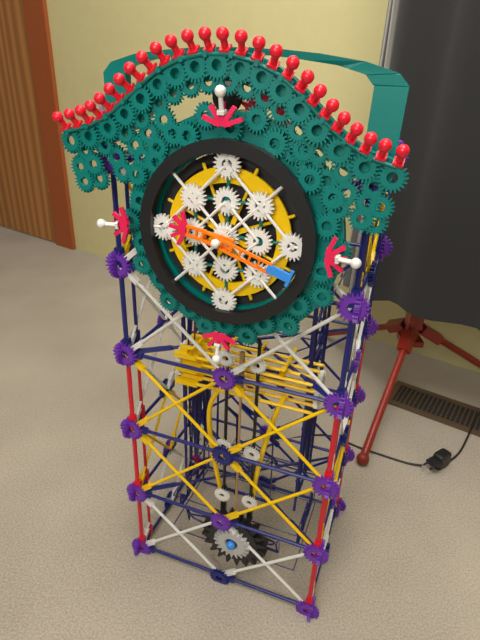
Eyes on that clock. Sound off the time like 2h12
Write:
9h18
